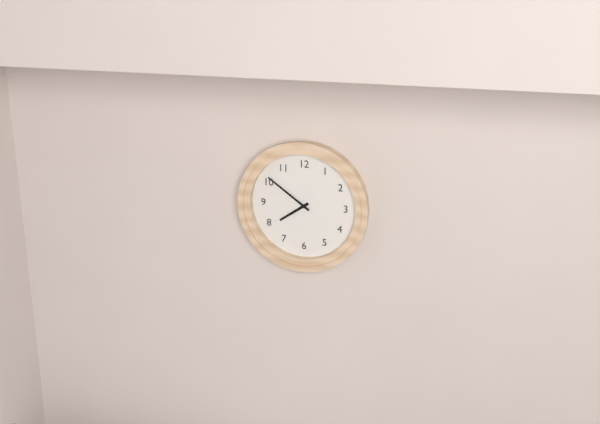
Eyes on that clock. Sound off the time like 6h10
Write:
7h51
